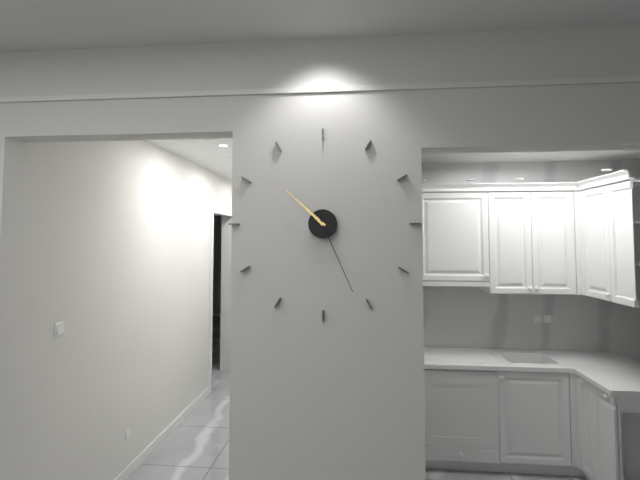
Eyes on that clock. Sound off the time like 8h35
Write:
10h26
